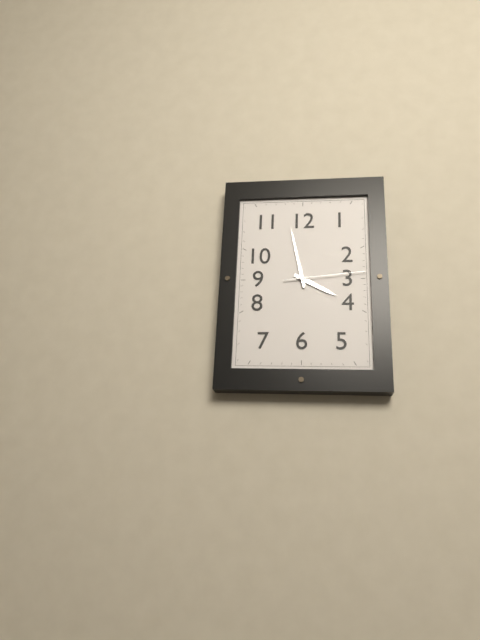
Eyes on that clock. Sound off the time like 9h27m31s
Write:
3h58m14s
